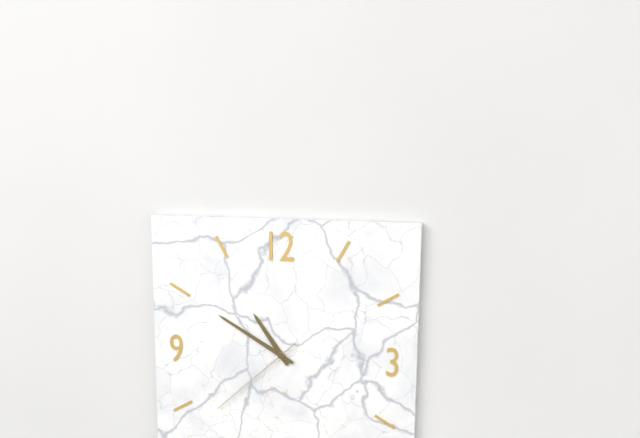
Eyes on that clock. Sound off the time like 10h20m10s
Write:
10h50m38s
